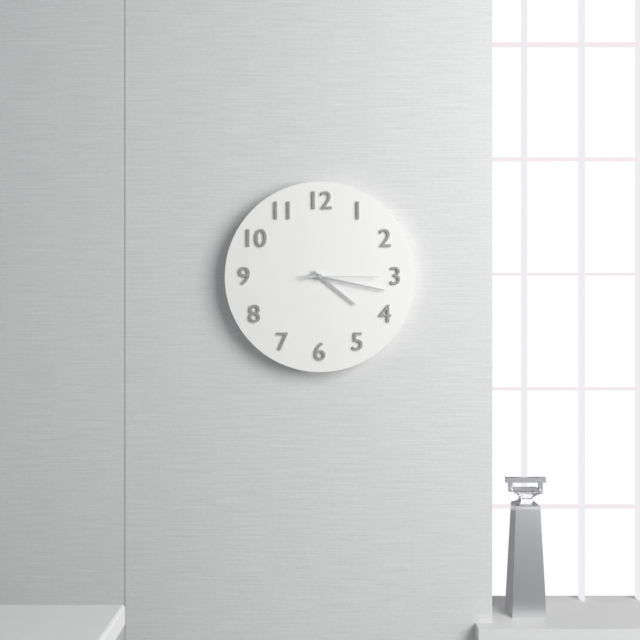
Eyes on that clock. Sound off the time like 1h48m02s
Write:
4h17m15s
